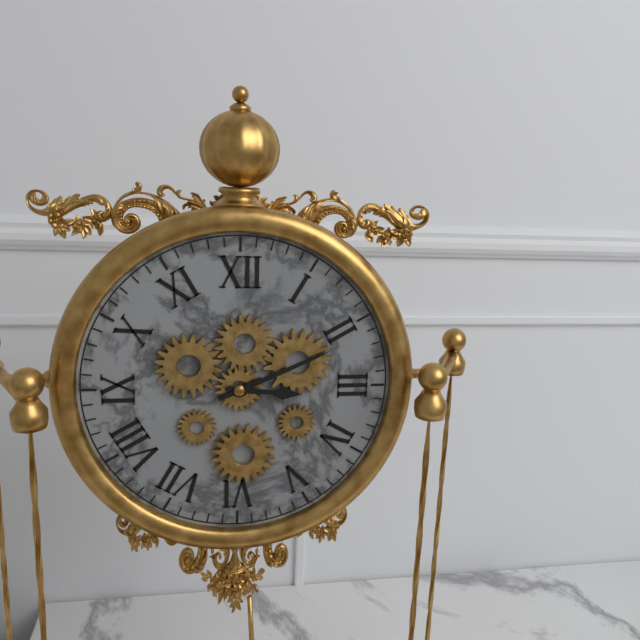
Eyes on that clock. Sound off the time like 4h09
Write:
3h11
